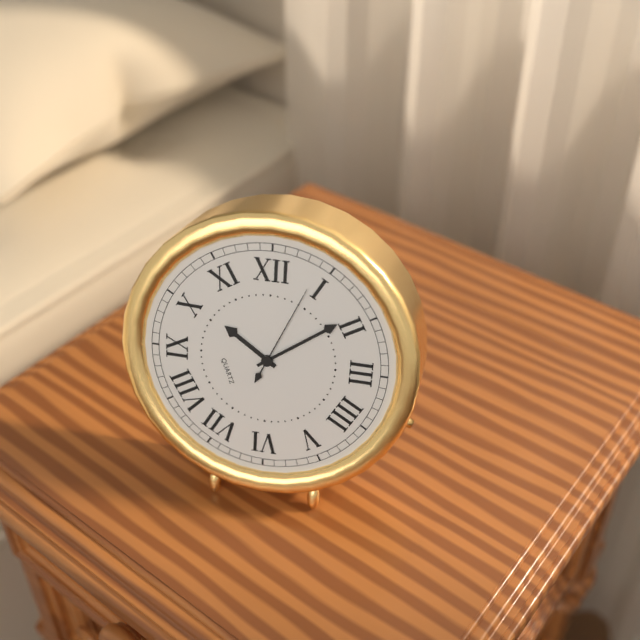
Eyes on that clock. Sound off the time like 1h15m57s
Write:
10h09m04s
